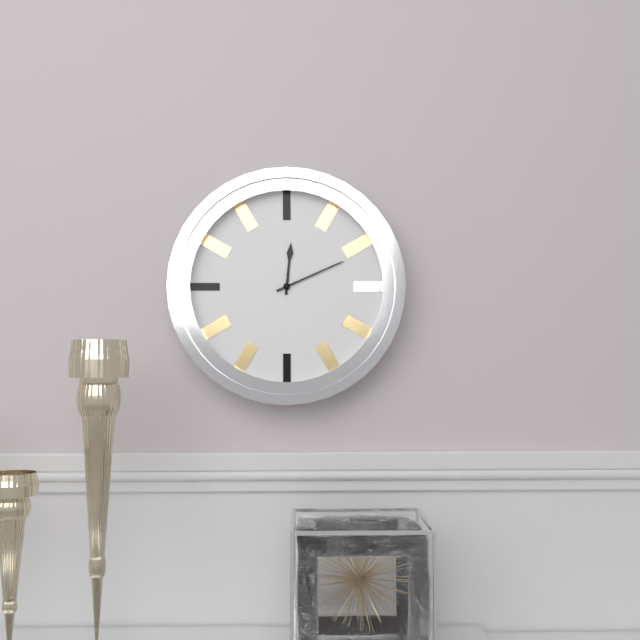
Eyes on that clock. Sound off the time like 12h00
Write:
12h11
